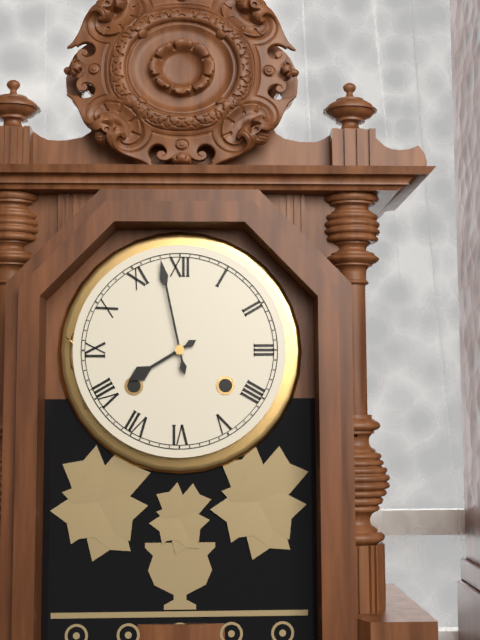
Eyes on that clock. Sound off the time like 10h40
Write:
7h58
